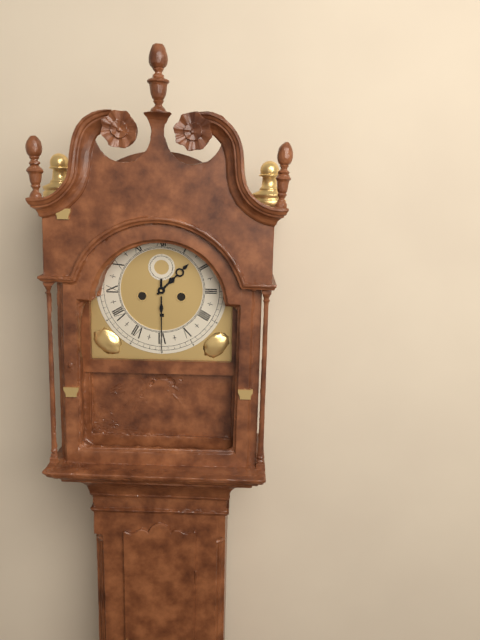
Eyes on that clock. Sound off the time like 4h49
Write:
1h30
